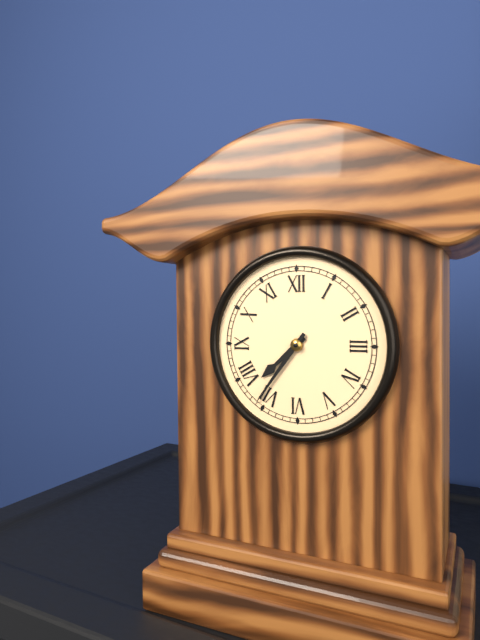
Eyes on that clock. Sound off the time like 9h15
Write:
7h36
